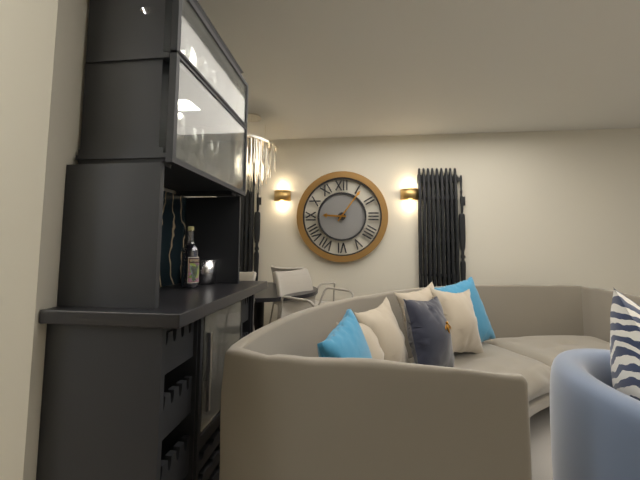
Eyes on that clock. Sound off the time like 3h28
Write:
9h06
